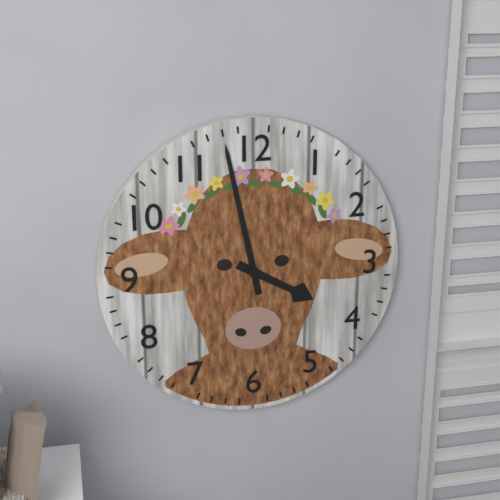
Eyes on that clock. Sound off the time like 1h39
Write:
3h58
